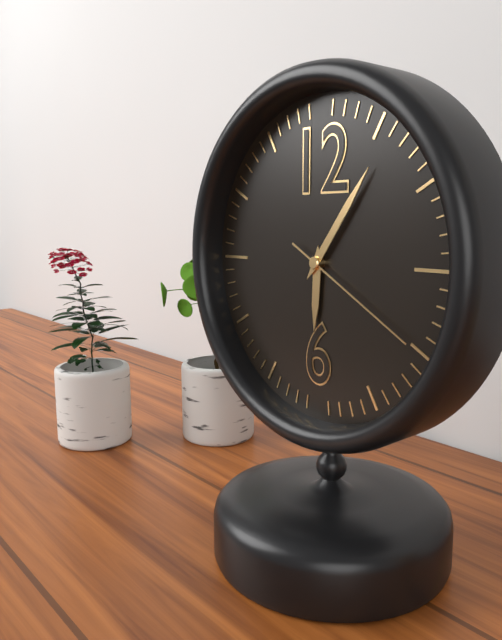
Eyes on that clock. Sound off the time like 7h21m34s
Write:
6h06m20s
